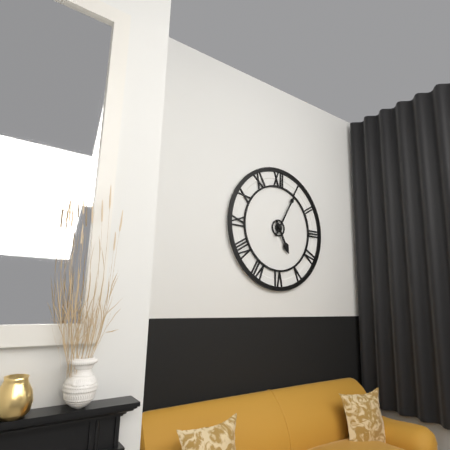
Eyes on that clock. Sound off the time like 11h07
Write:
5h05
